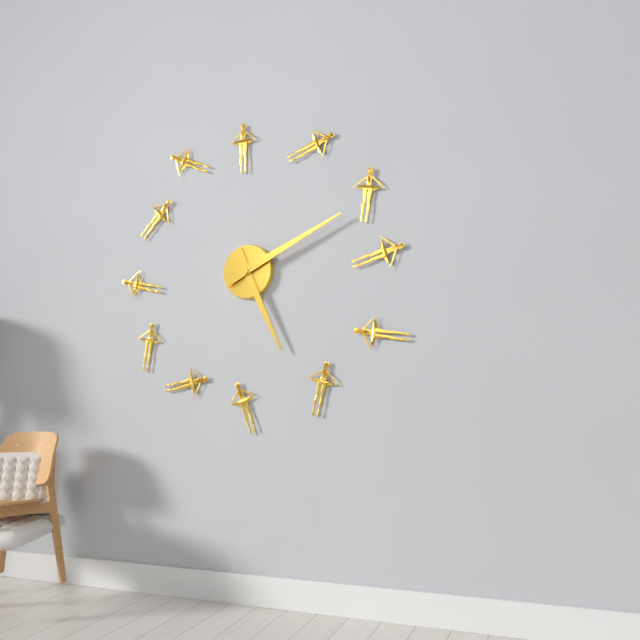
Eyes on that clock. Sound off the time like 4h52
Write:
5h11
